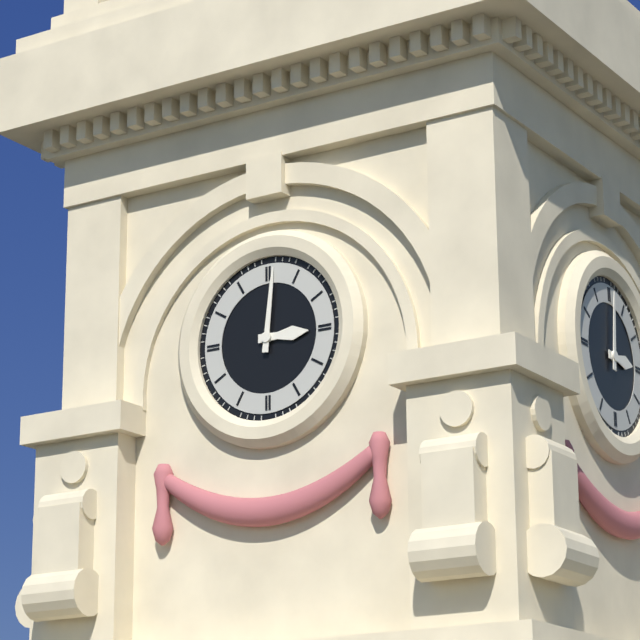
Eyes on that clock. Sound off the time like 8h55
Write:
3h01
